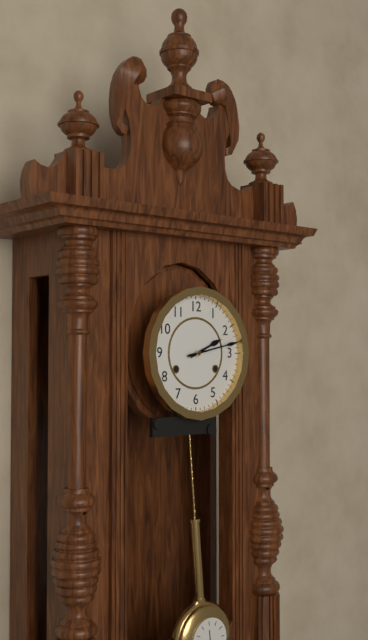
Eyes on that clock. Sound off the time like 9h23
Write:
2h13
